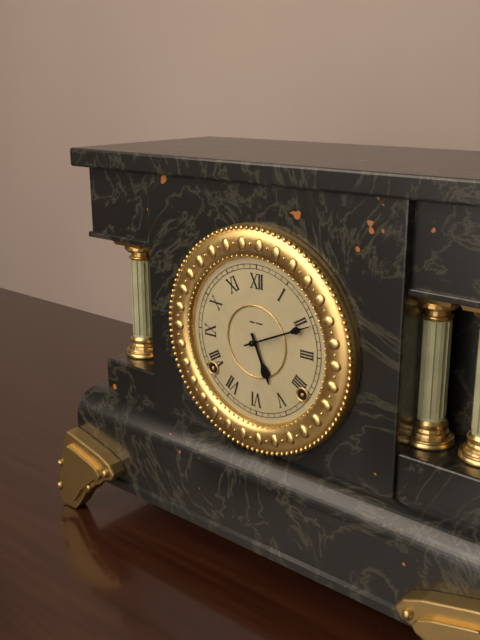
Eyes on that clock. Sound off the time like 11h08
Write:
5h11
